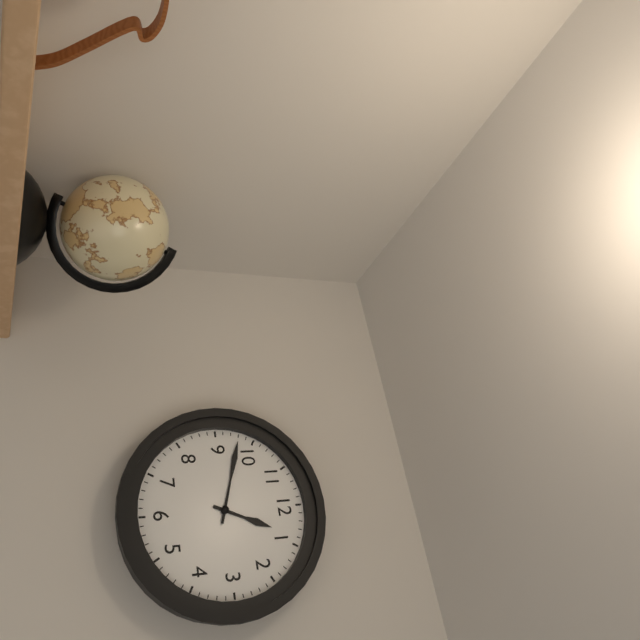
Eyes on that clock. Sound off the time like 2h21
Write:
12h48
